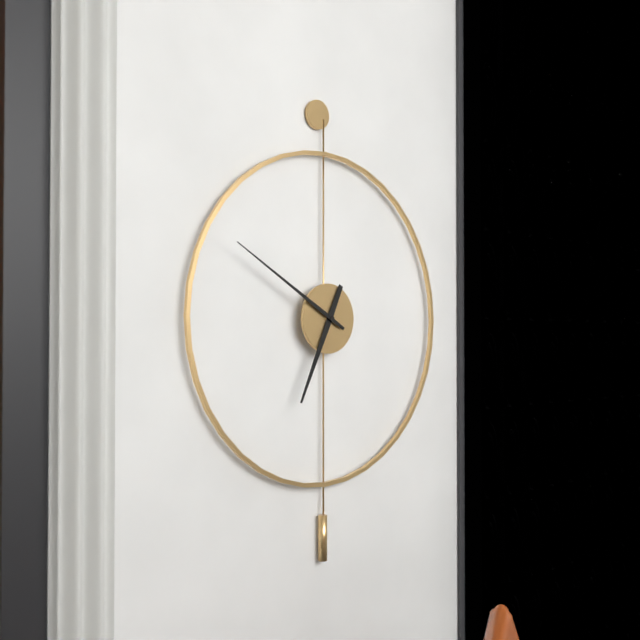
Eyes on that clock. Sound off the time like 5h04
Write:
6h50
